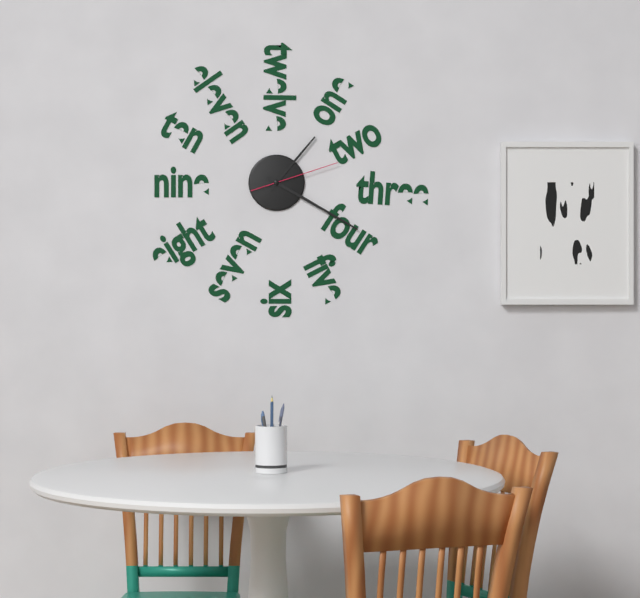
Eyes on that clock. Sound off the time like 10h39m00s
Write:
1h20m12s
